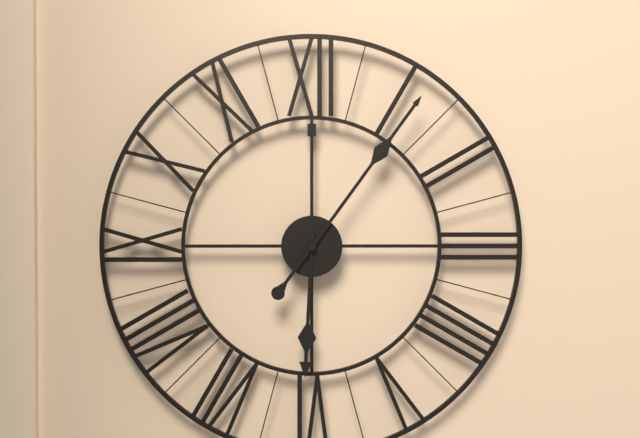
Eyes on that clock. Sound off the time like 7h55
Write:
6h06
